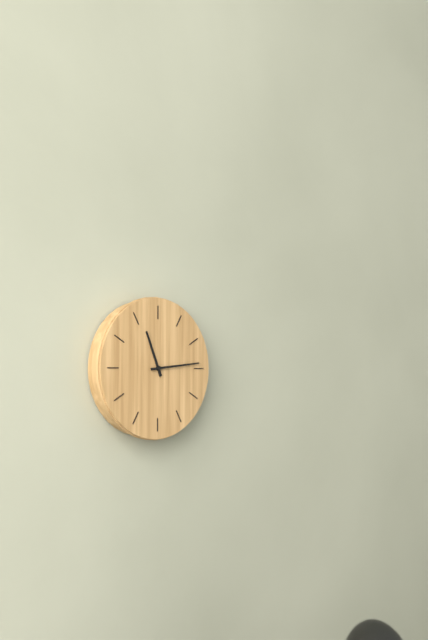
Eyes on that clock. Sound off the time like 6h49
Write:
11h14
